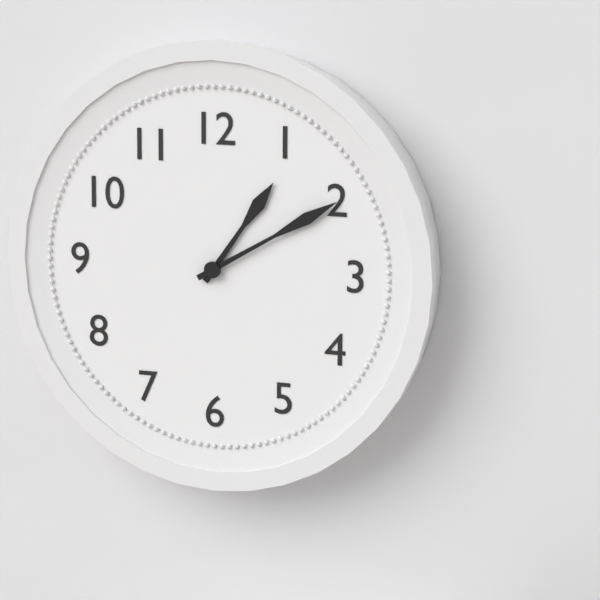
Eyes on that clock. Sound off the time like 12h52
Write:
1h10
